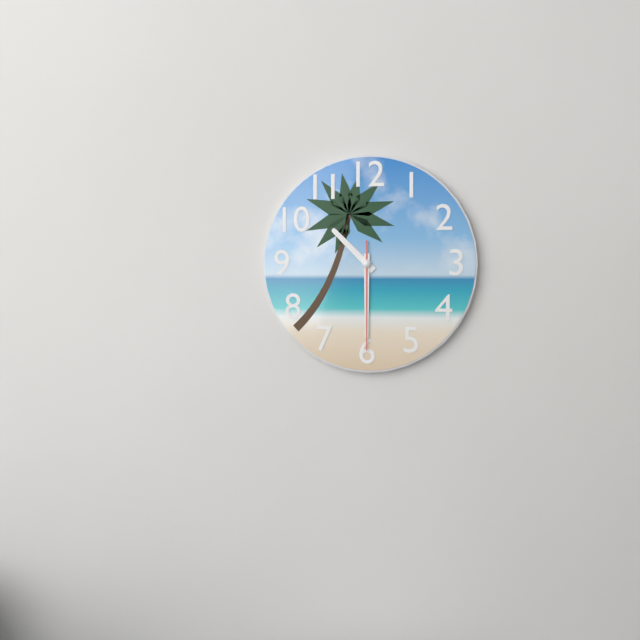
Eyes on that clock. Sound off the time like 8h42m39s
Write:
10h30m30s
